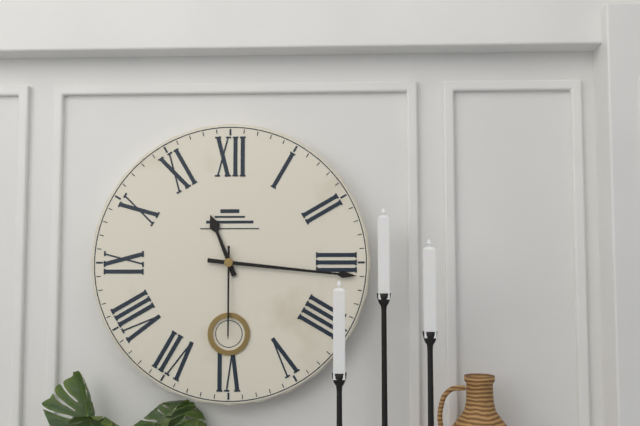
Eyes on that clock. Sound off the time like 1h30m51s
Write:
11h16m30s
